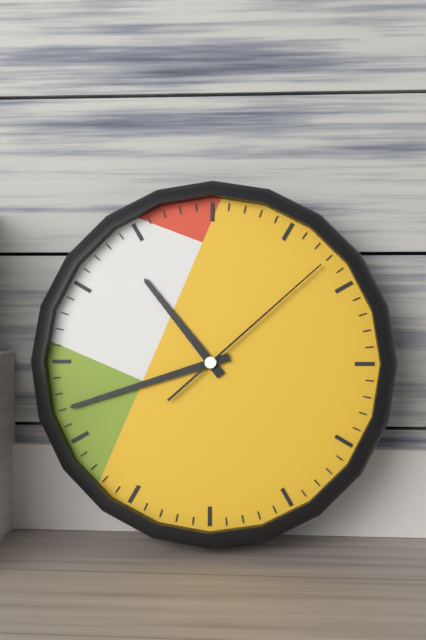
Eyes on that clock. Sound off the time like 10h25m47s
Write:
10h42m08s
